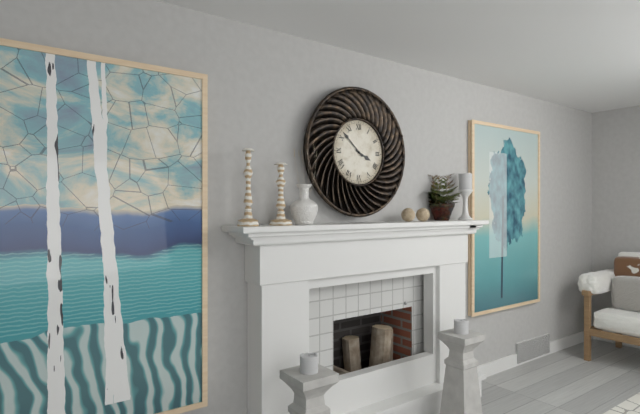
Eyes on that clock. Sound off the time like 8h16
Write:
3h52
